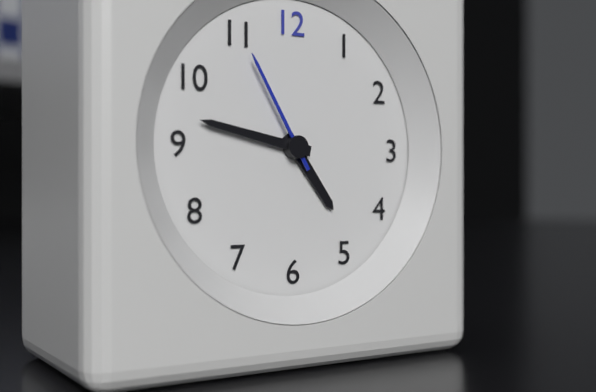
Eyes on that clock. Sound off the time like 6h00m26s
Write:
4h47m55s
